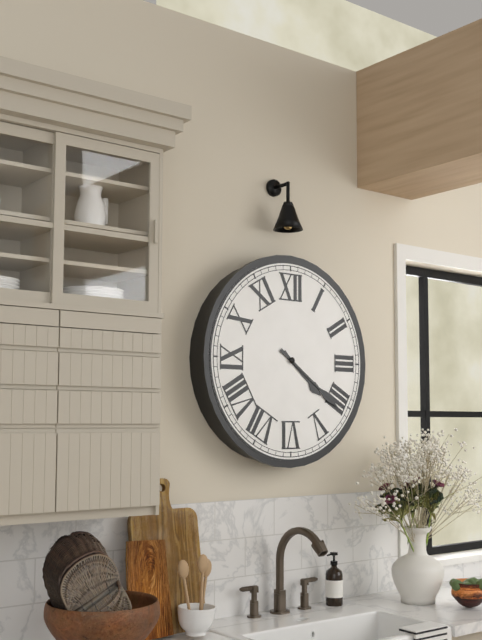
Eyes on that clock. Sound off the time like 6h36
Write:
4h21
